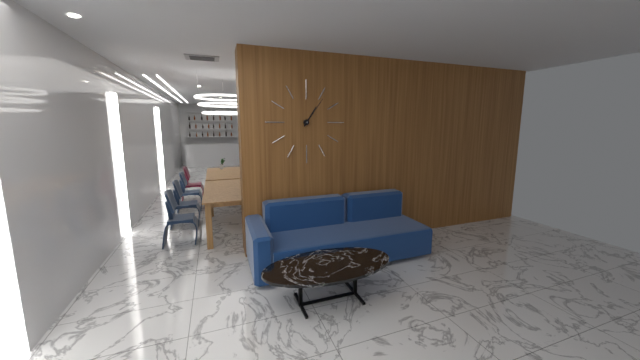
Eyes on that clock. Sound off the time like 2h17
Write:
1h06
